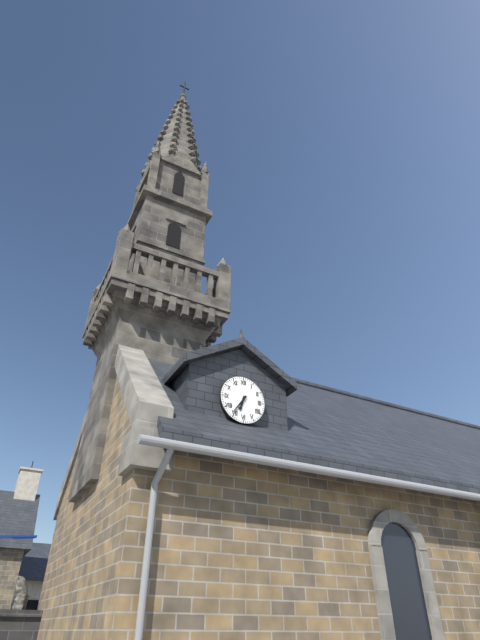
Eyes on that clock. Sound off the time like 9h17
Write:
6h36
